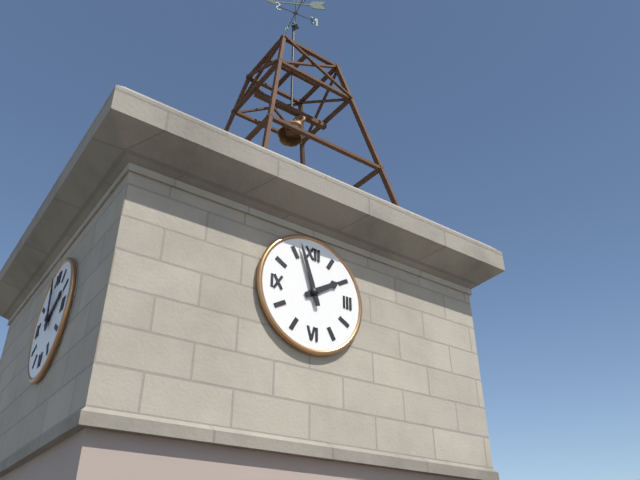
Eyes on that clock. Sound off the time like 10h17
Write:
1h57
